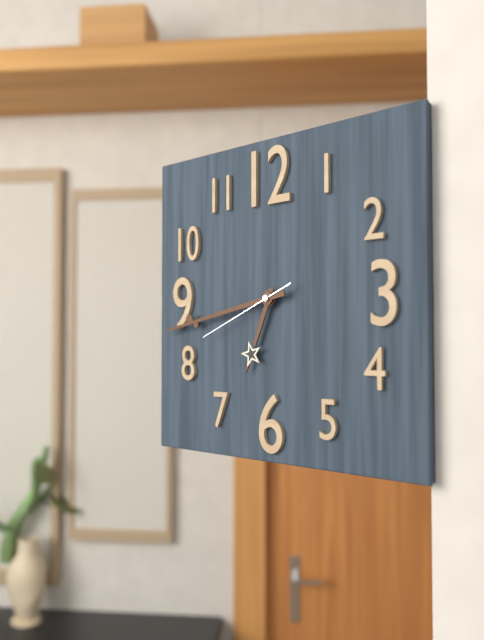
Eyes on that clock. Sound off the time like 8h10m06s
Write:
6h43m41s
